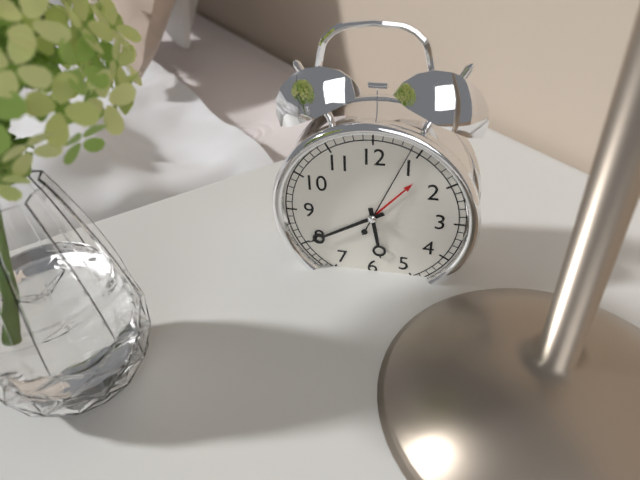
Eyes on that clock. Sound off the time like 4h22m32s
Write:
5h40m04s
